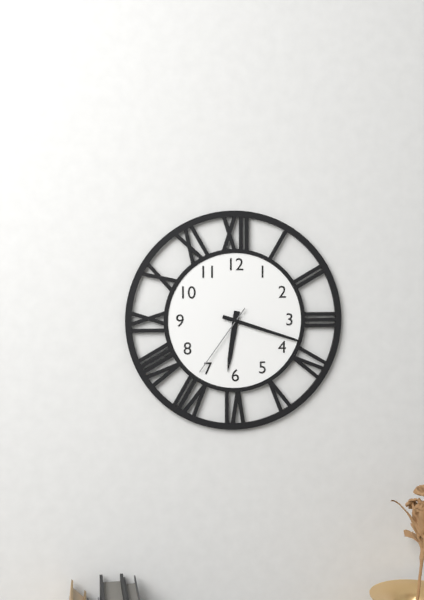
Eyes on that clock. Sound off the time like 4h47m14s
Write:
6h18m36s
